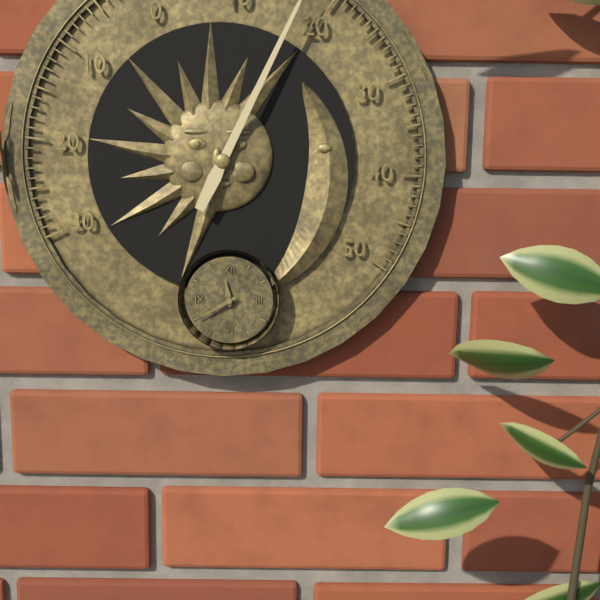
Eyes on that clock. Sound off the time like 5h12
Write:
11h40
